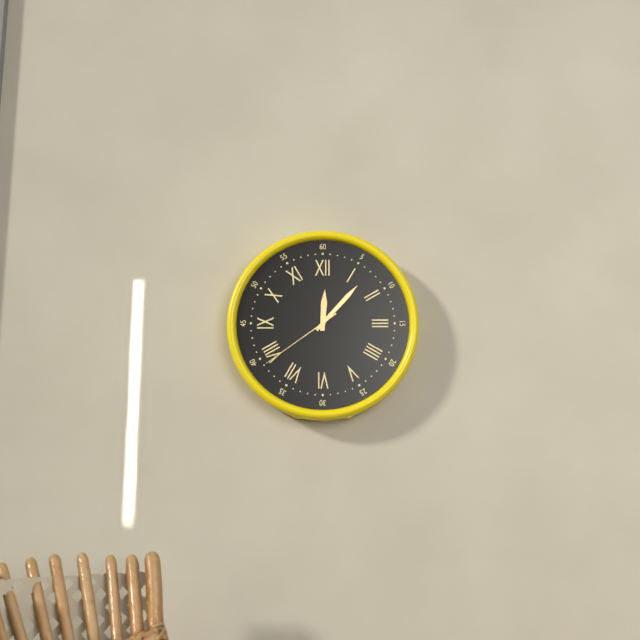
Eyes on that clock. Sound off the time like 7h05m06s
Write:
12h07m39s
